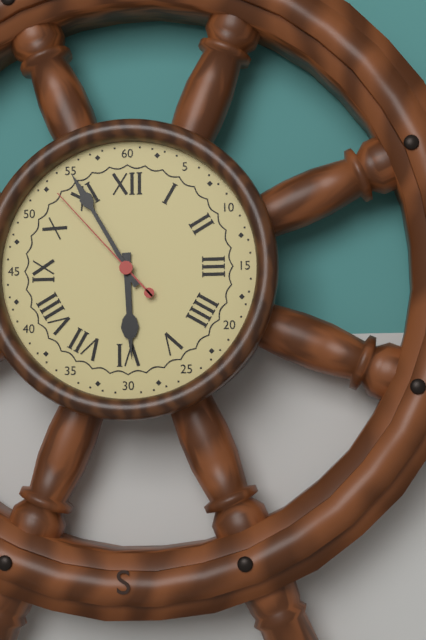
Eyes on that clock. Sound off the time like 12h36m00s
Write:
5h55m53s
